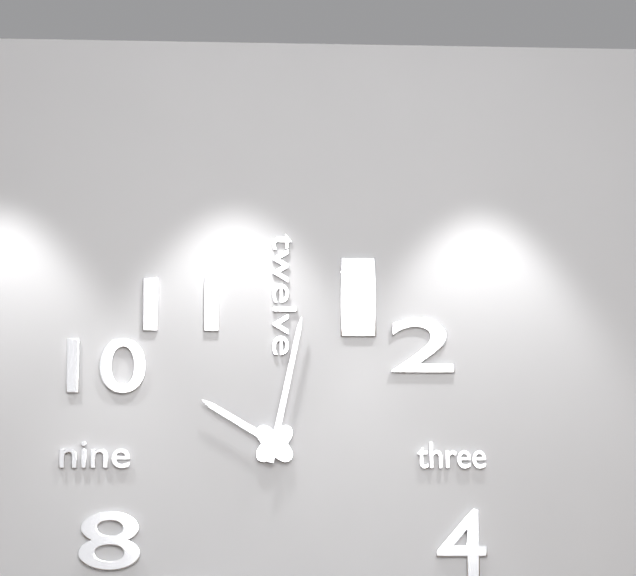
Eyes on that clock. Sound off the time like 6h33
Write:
10h02
